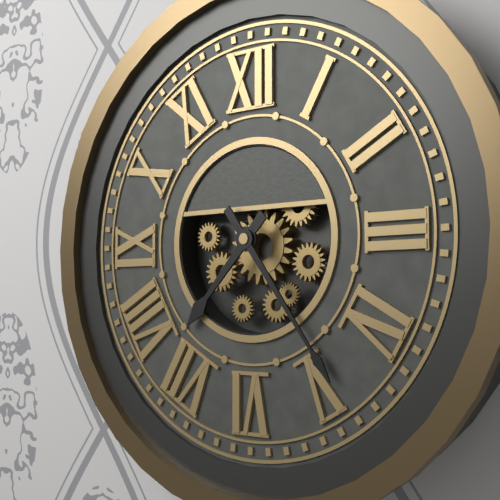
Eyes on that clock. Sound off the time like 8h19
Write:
7h24
